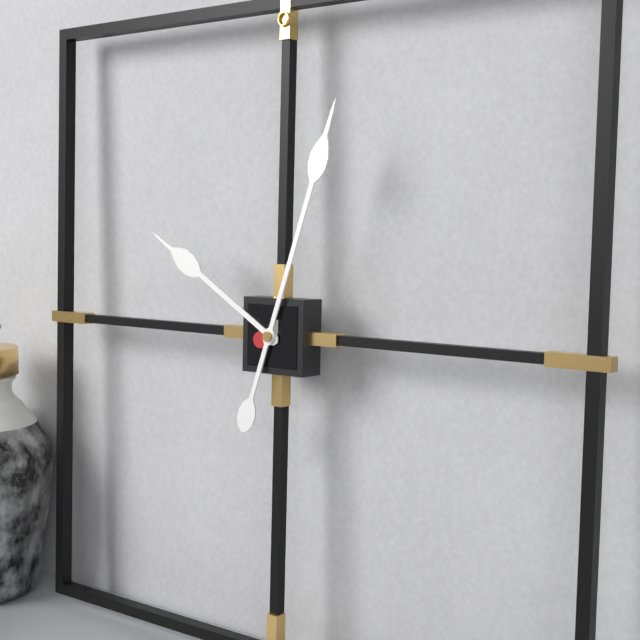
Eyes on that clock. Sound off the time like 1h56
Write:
10h03
